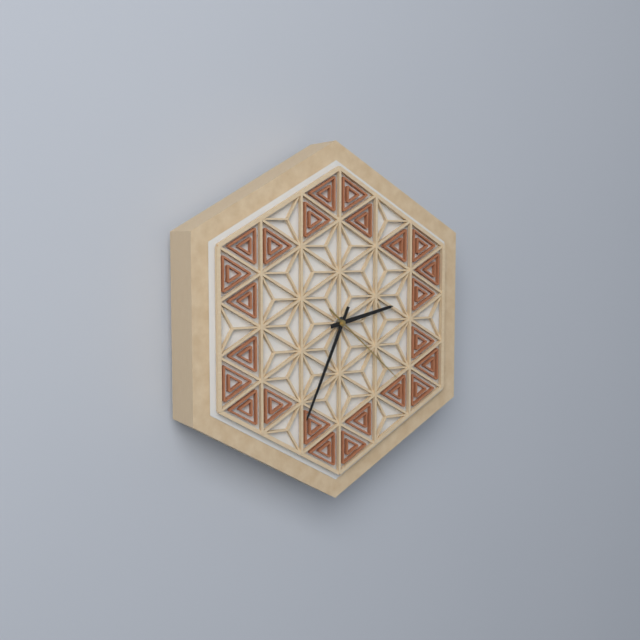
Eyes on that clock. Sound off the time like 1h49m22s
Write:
2h34m22s
